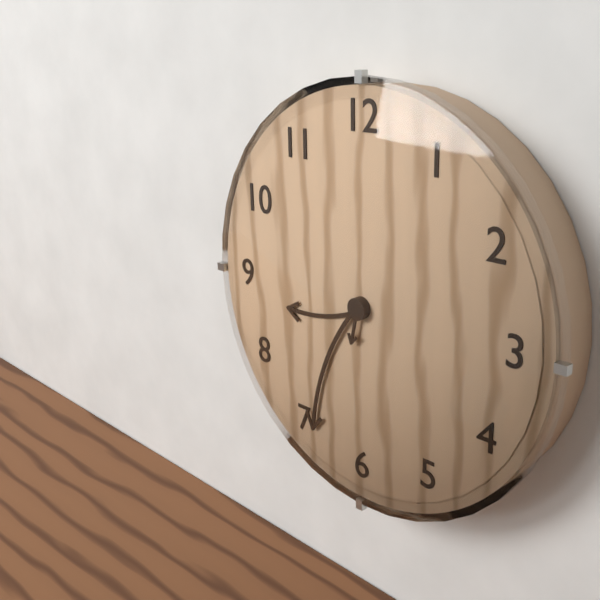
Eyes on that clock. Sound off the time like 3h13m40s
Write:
8h34m32s
